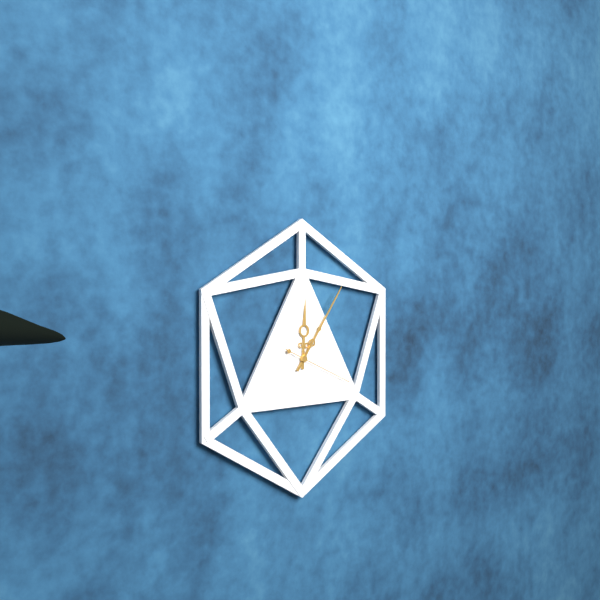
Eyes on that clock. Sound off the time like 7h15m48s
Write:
12h06m19s
